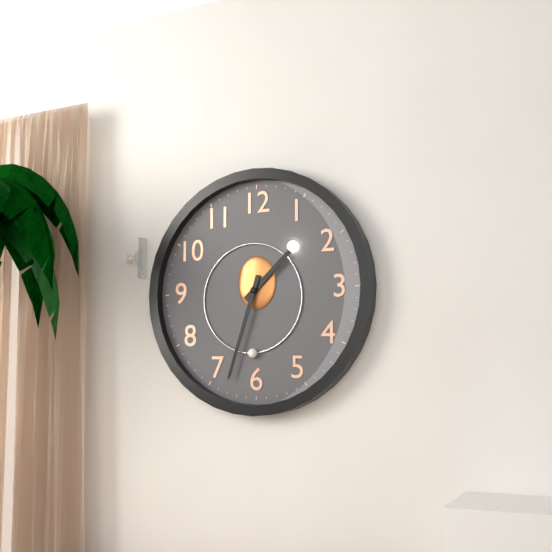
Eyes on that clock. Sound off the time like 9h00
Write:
1h33
